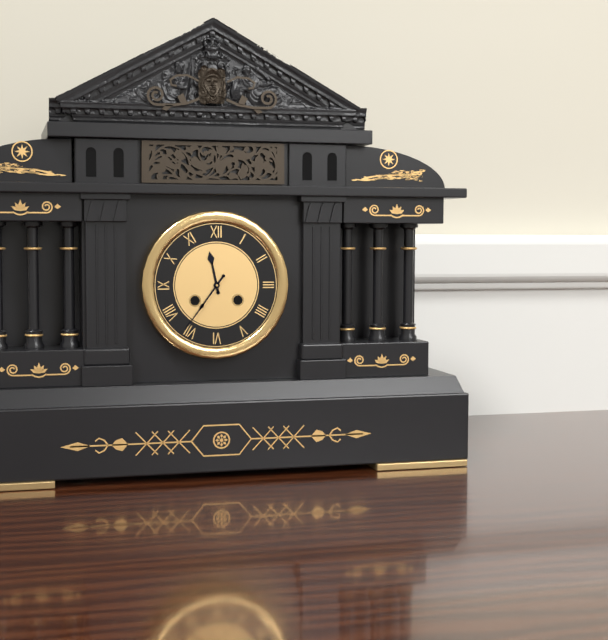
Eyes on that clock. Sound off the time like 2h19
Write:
11h36
